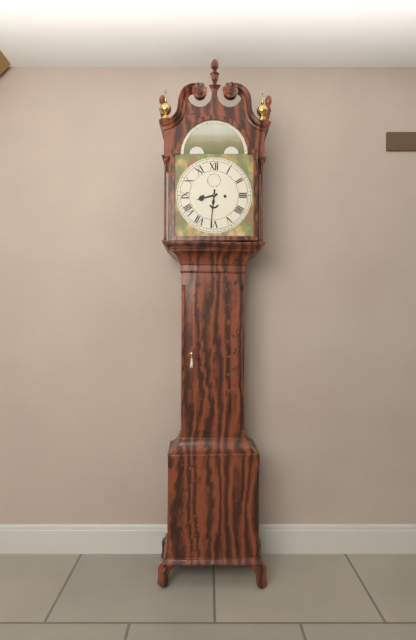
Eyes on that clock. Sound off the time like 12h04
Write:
8h31
